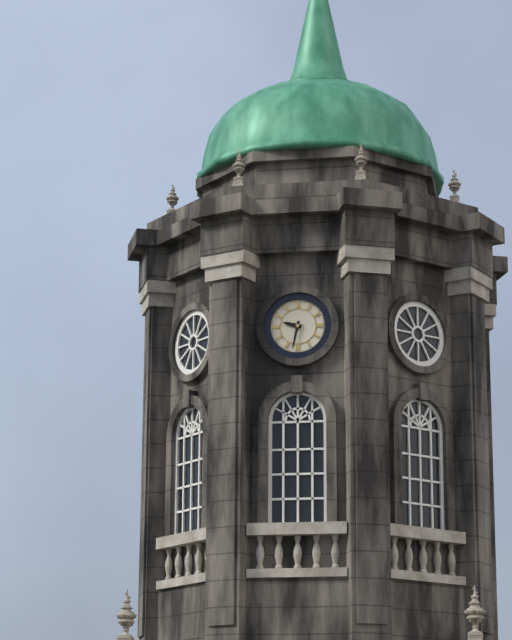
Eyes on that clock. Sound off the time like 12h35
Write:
9h32
